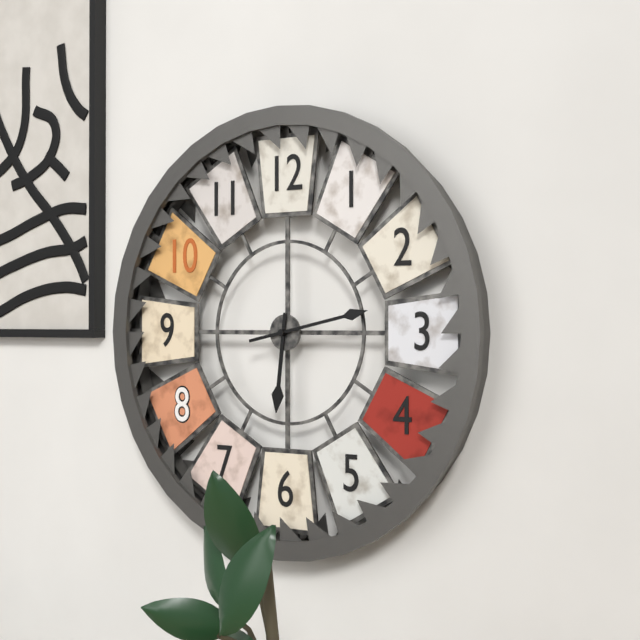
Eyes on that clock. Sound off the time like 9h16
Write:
6h13
